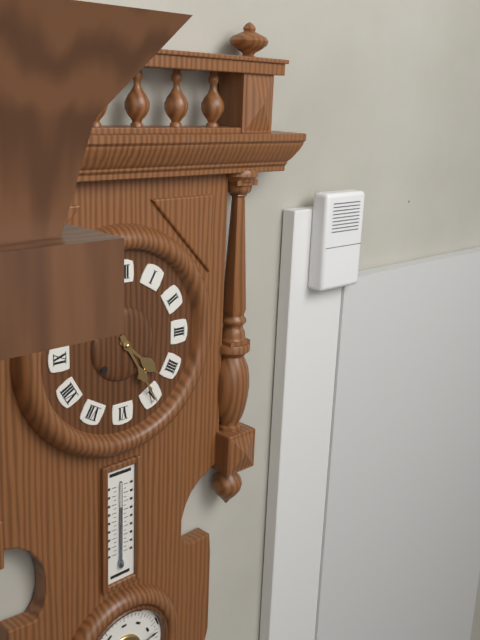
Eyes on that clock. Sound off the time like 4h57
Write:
4h25
